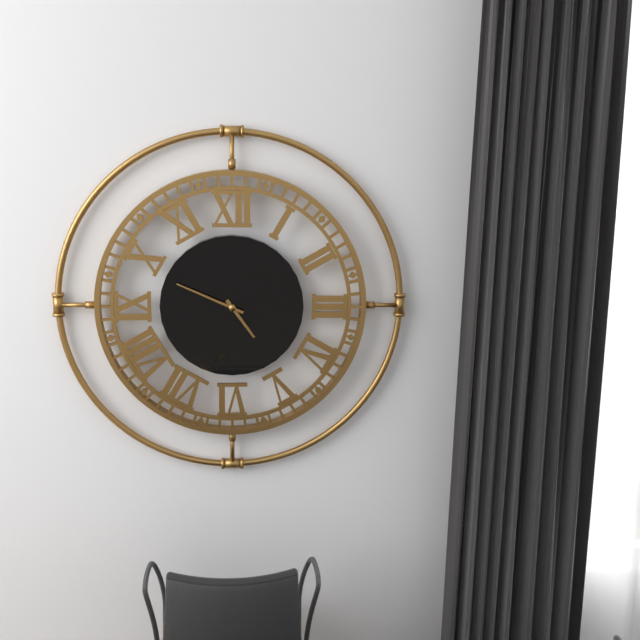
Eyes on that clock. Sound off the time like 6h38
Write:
4h49
